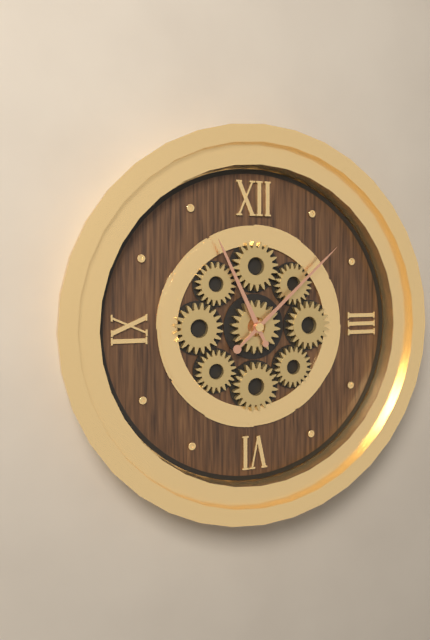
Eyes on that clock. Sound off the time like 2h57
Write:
11h08
